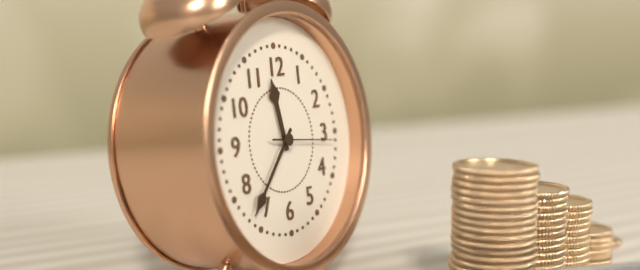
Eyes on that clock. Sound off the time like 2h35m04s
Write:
11h37m16s
